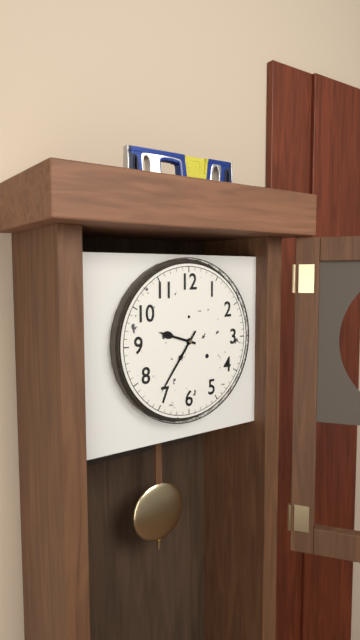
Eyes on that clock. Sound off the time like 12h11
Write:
9h36
